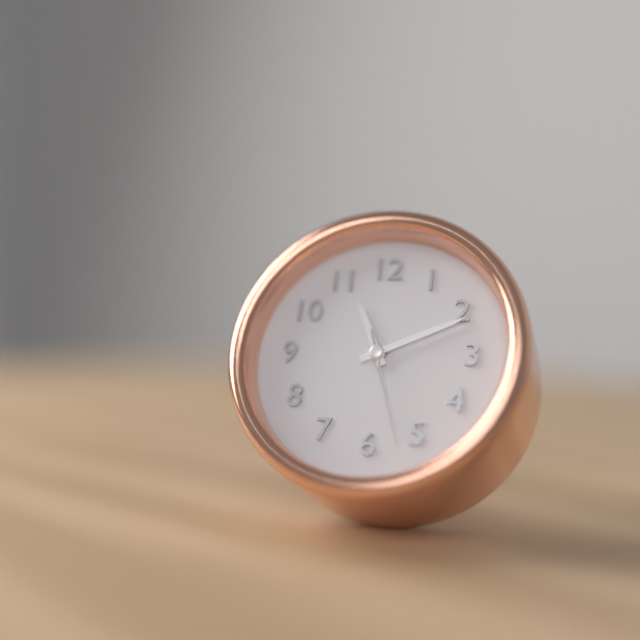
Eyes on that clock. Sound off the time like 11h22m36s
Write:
11h11m27s
